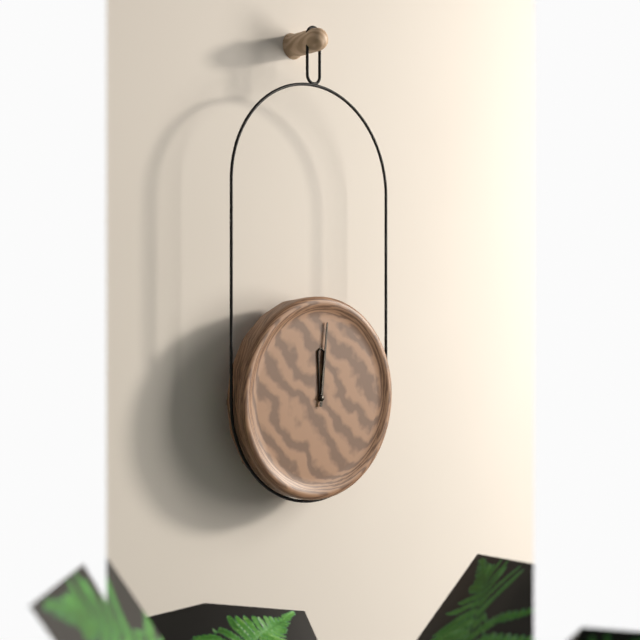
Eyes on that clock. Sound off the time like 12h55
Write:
12h01
